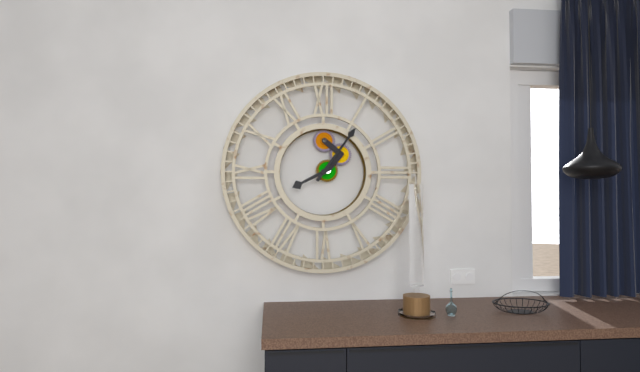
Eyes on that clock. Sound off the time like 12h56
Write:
8h06
